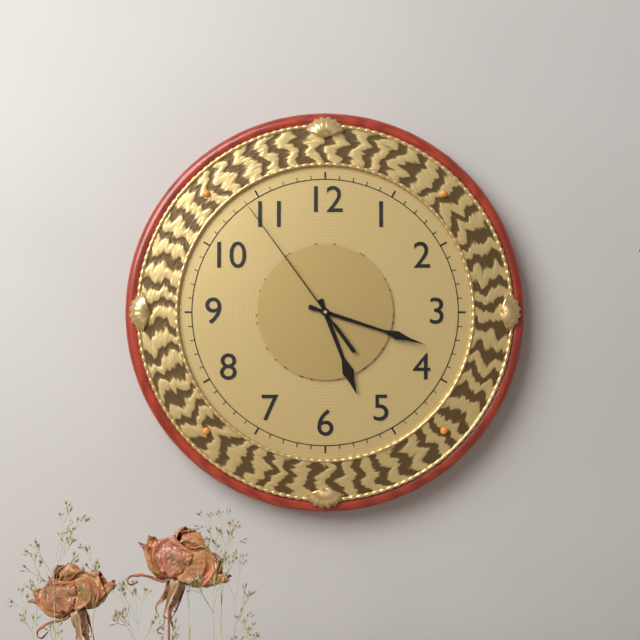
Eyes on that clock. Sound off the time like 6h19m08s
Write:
5h18m54s
